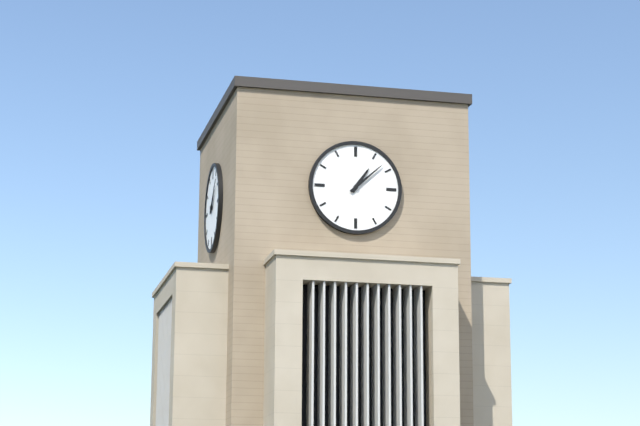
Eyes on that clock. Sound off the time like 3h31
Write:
1h08
